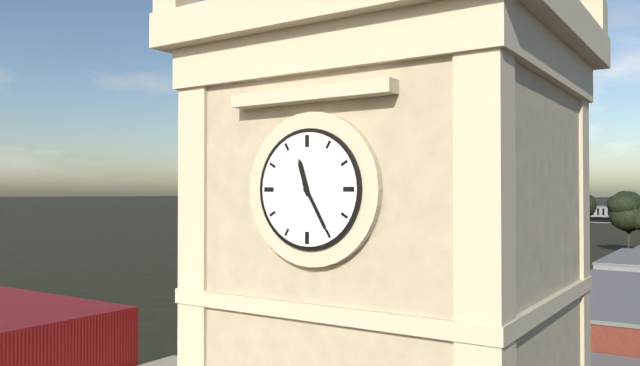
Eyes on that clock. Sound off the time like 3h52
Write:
11h25
